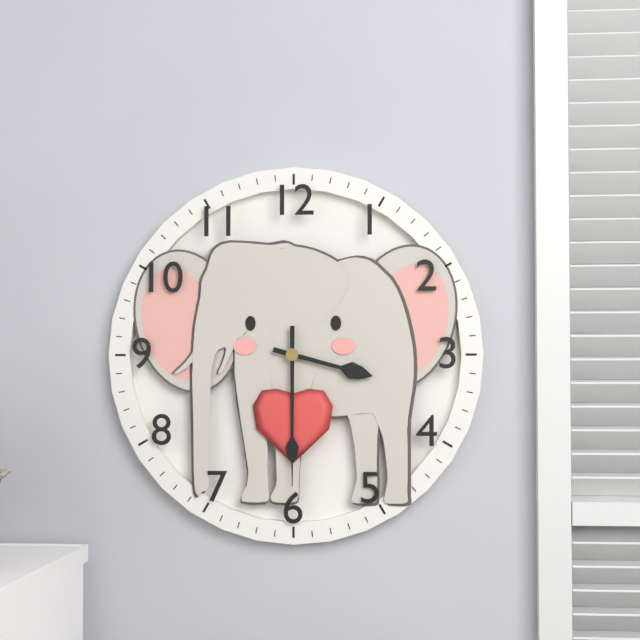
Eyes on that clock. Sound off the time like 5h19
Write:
3h30
